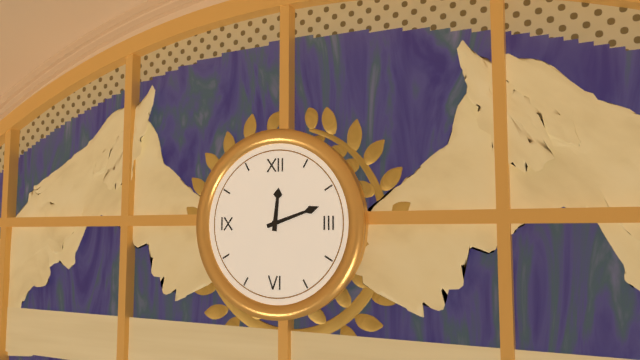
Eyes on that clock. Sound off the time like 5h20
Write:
12h12
